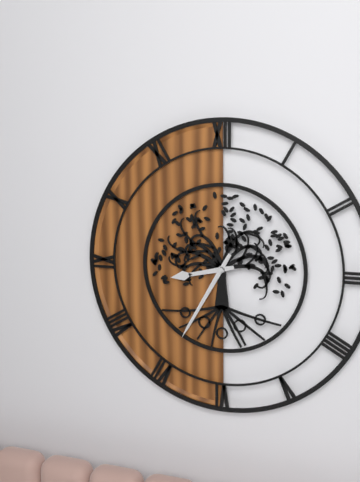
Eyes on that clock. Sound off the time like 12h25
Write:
8h35
